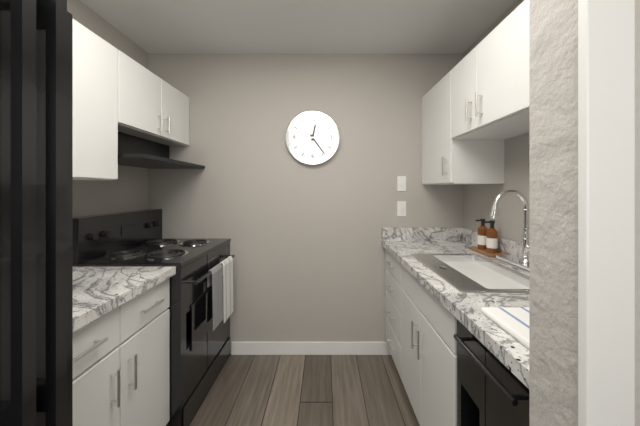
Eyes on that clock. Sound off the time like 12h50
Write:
12h24
